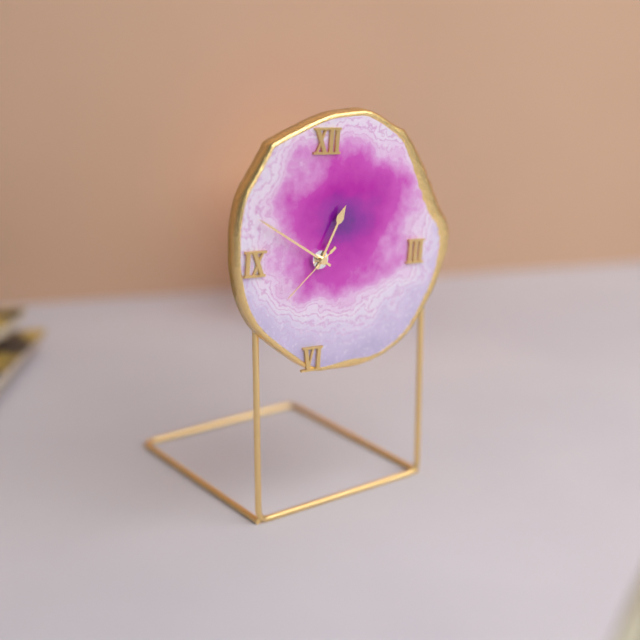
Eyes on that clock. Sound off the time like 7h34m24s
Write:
12h50m38s
